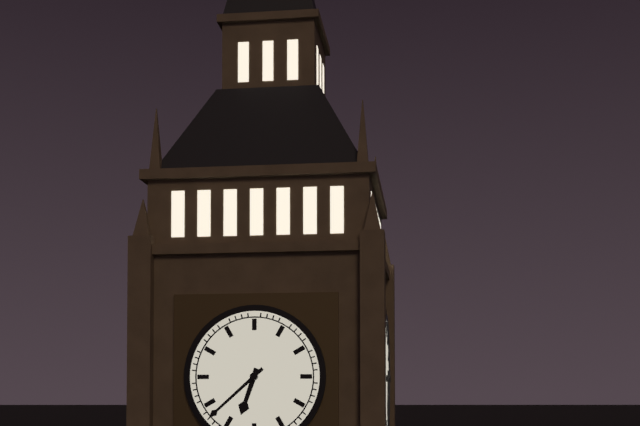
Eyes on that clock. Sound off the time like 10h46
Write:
6h38
